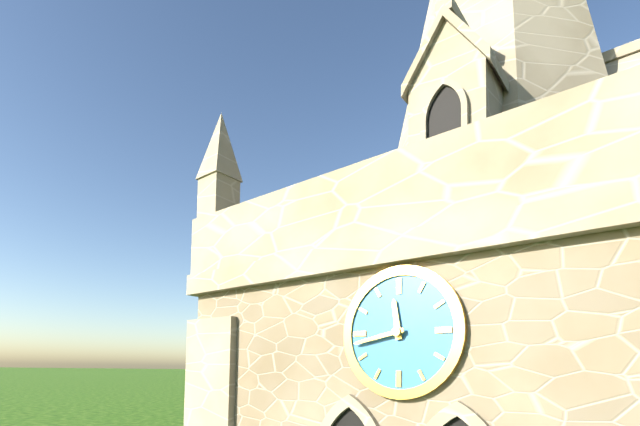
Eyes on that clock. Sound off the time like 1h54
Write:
11h43
